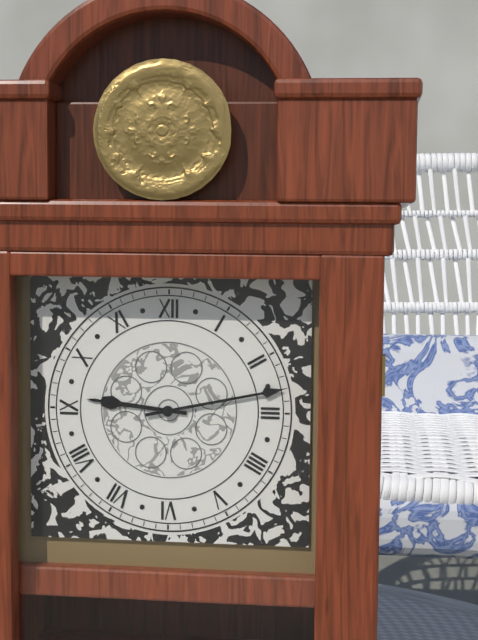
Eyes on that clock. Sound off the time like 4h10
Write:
9h13
